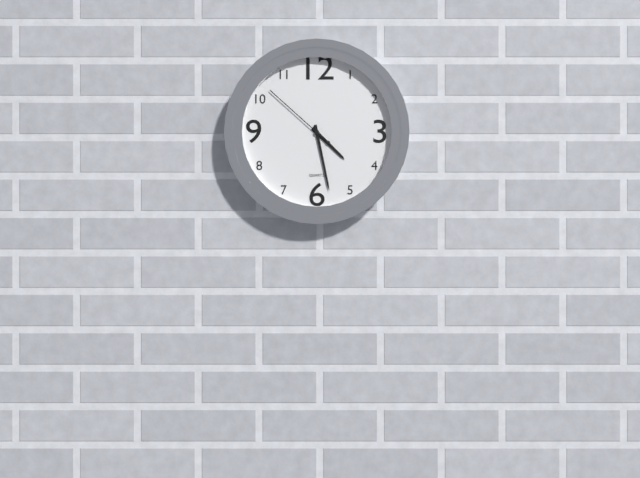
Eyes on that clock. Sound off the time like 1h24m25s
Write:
4h28m52s
